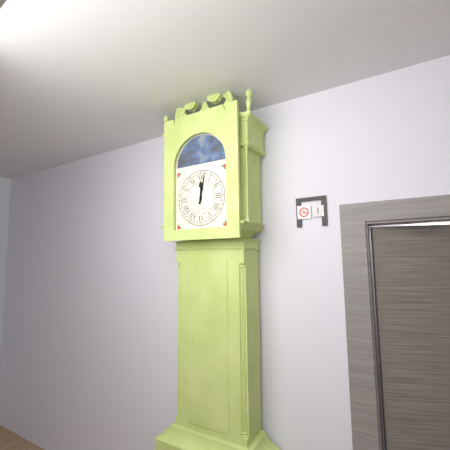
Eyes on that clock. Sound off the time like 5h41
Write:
12h02
